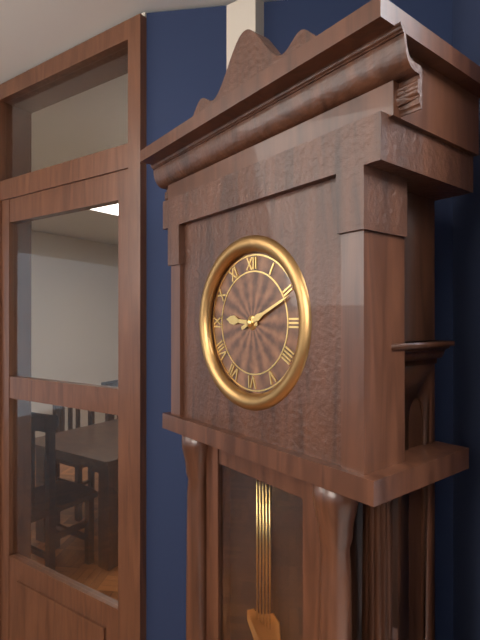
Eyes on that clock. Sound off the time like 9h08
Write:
9h11
